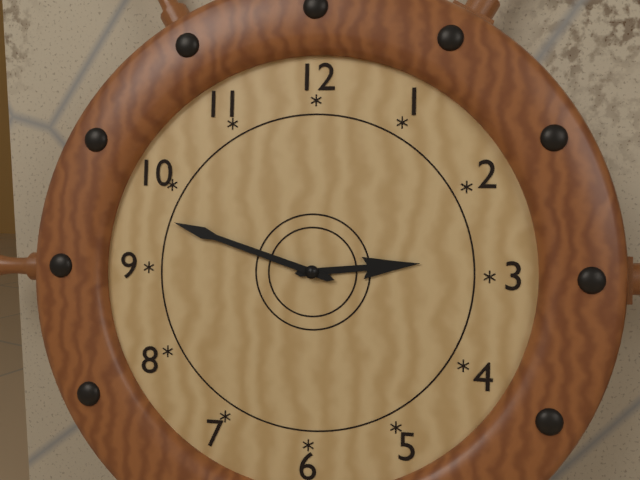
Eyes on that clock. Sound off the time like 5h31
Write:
2h48
